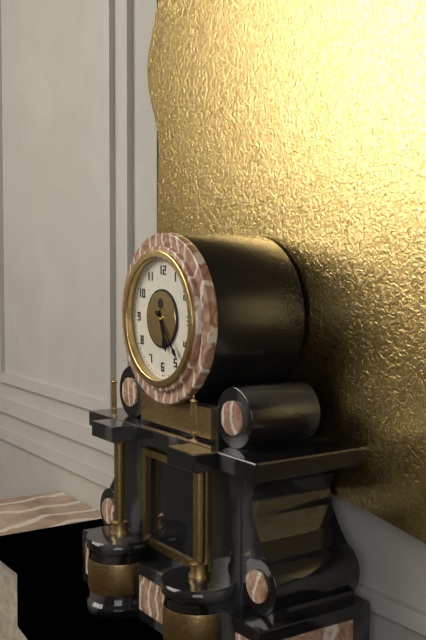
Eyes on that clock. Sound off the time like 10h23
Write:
5h23
